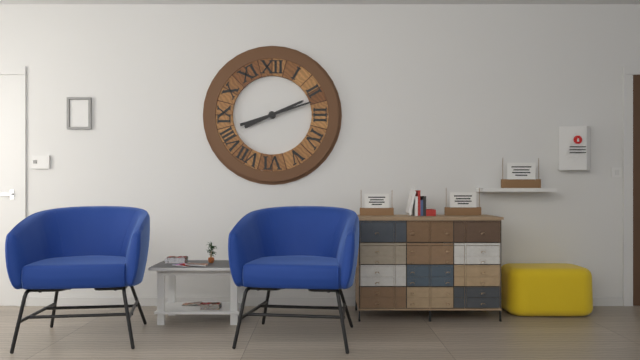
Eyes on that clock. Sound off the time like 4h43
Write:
2h12
